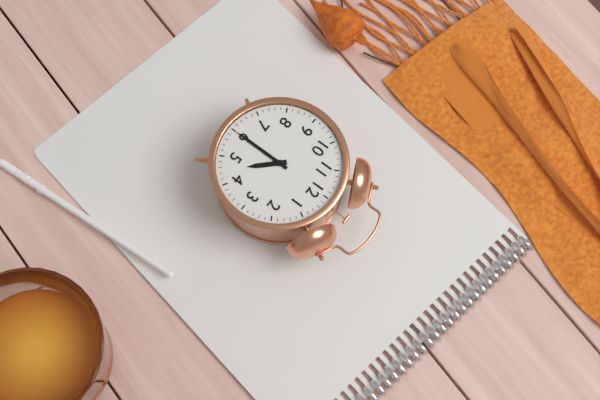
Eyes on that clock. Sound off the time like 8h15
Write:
4h30
